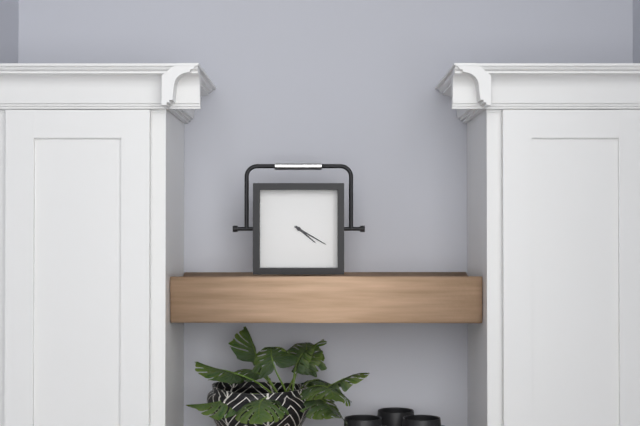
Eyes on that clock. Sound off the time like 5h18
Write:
4h20
